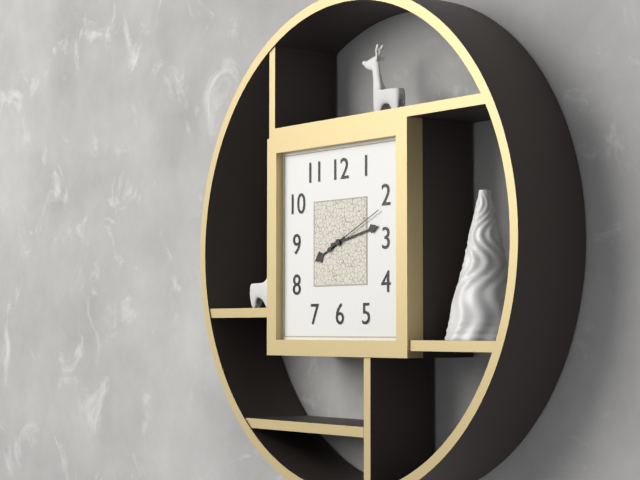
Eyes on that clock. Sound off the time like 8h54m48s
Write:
8h13m11s
